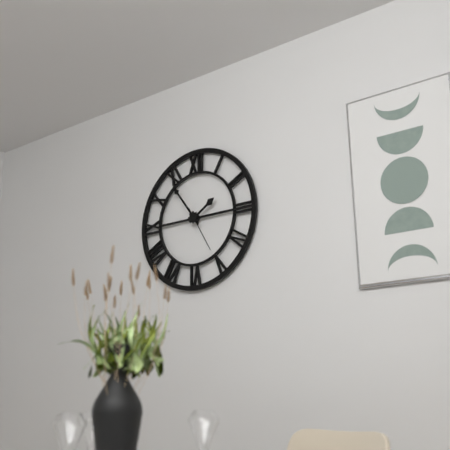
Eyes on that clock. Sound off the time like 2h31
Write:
1h54
